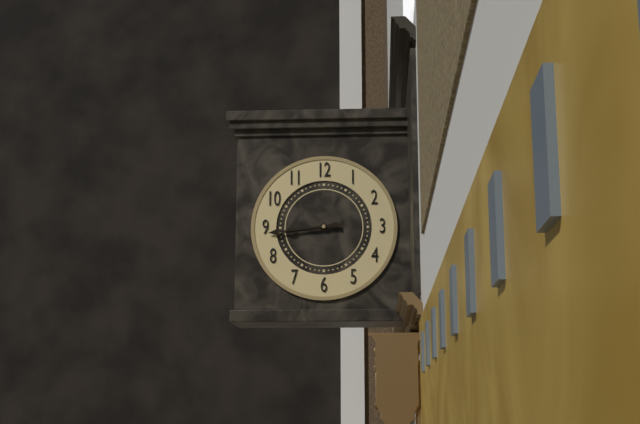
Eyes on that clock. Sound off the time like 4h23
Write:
8h44
